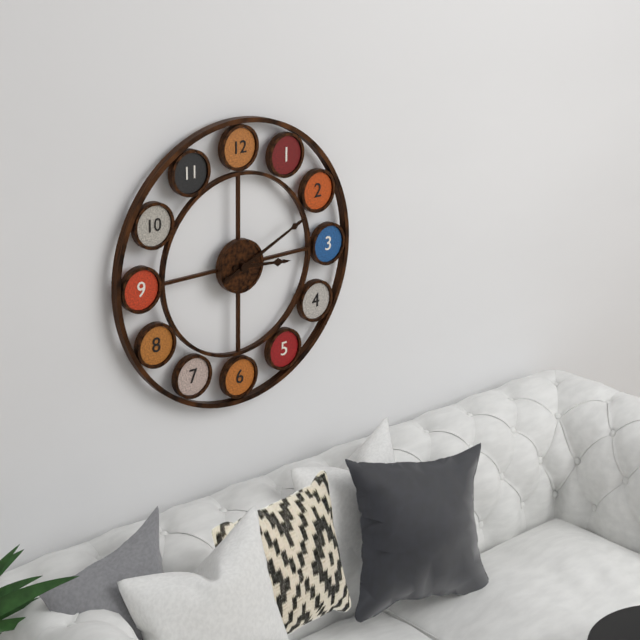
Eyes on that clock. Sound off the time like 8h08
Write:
3h11
